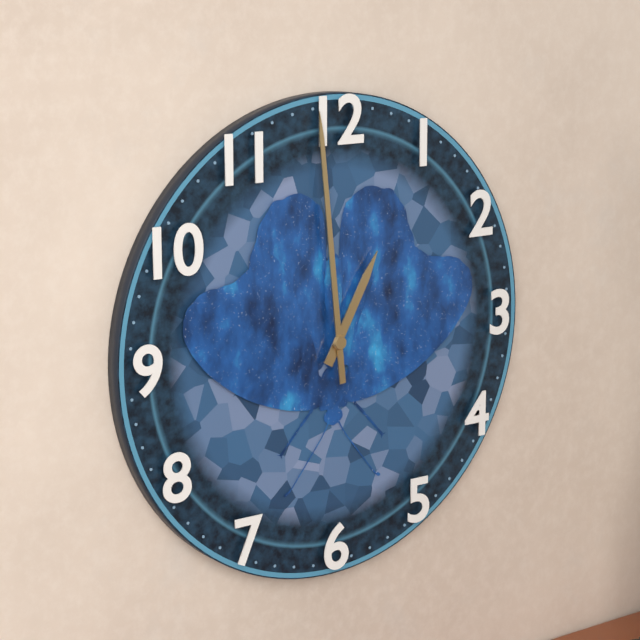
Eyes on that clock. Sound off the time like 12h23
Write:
12h59
